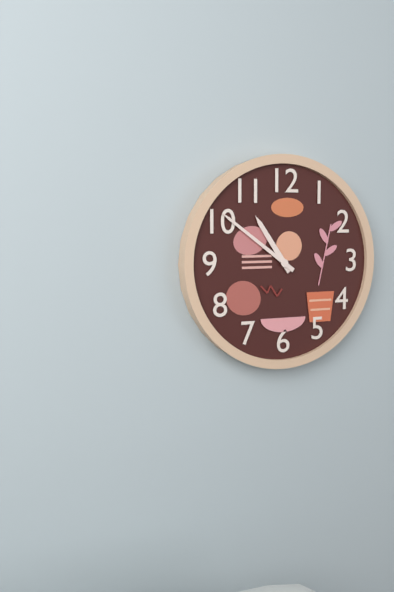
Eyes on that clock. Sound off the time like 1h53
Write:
10h51
